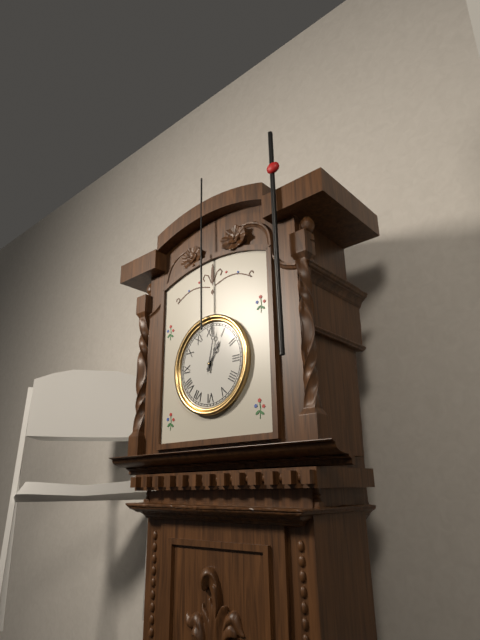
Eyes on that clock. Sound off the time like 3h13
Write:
1h02
